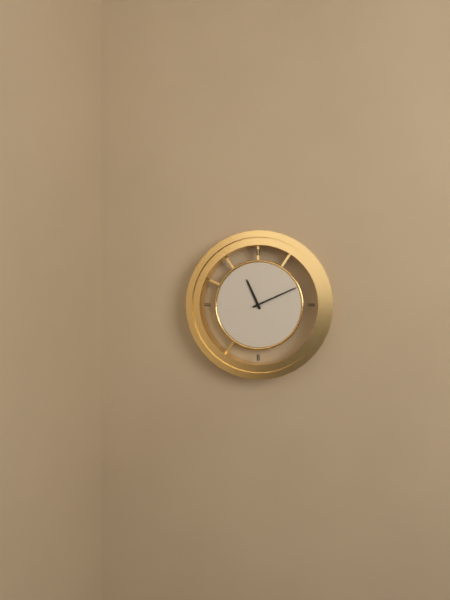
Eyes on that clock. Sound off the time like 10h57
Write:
11h11
